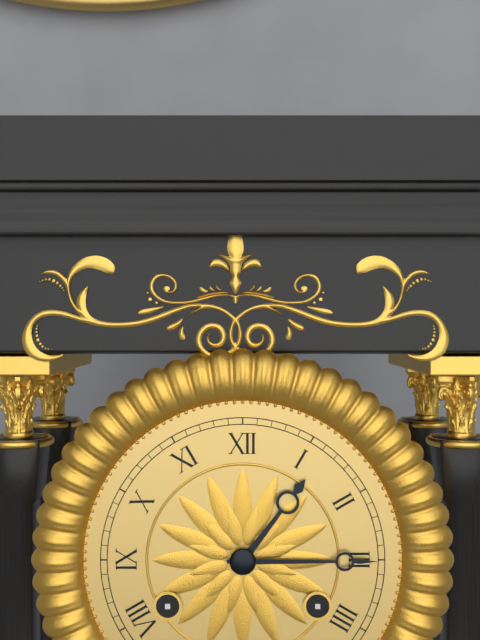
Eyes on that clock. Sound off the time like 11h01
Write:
1h15
